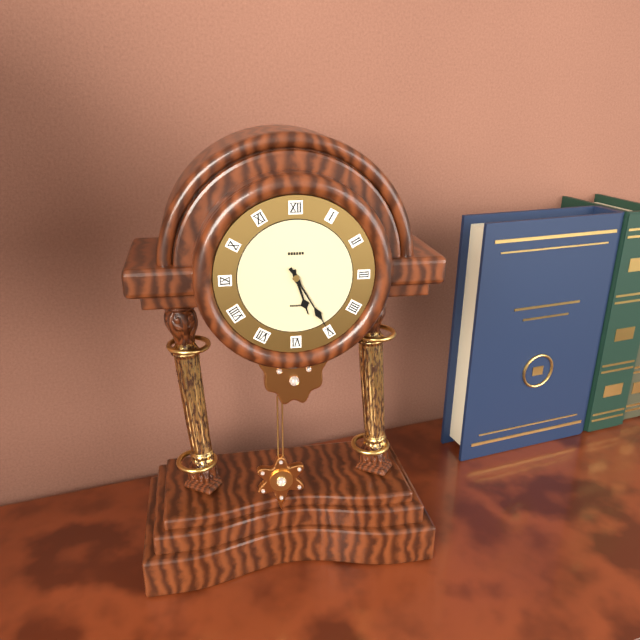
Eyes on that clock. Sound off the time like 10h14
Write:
5h25
